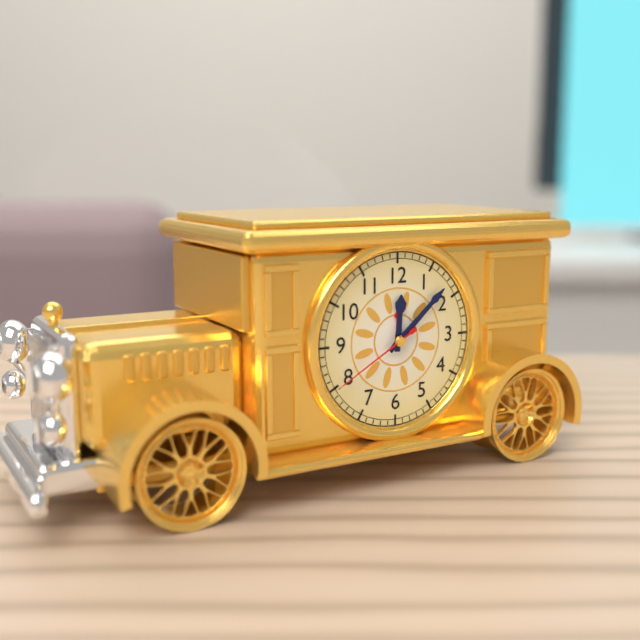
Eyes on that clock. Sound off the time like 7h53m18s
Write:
12h08m40s
